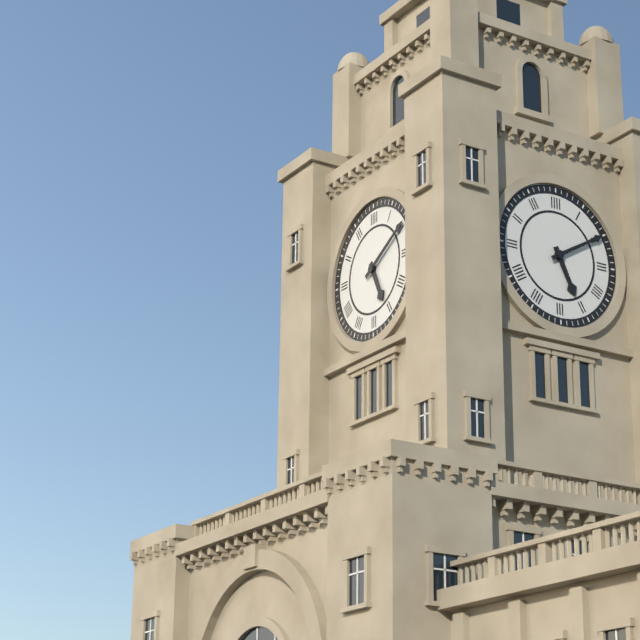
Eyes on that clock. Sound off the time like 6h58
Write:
5h10
